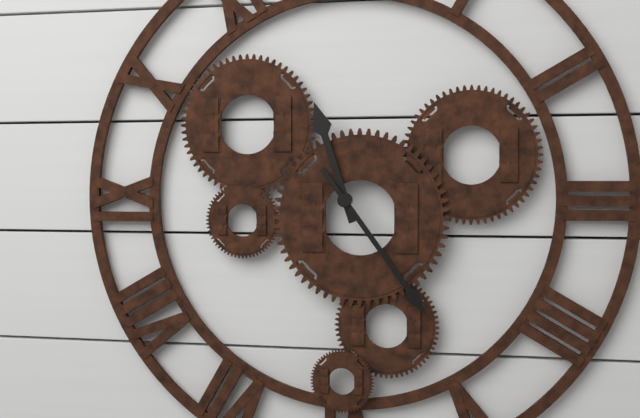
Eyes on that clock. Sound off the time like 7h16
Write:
11h24
